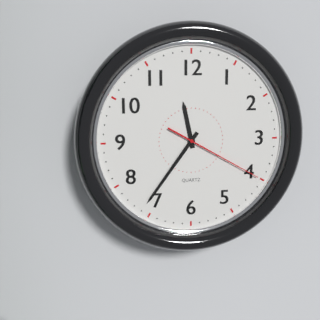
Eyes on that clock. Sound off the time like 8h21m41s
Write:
11h36m20s
